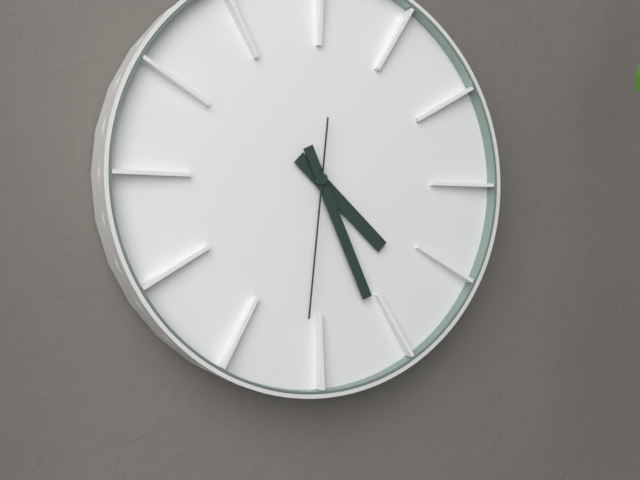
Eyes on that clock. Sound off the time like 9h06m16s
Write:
4h26m31s
